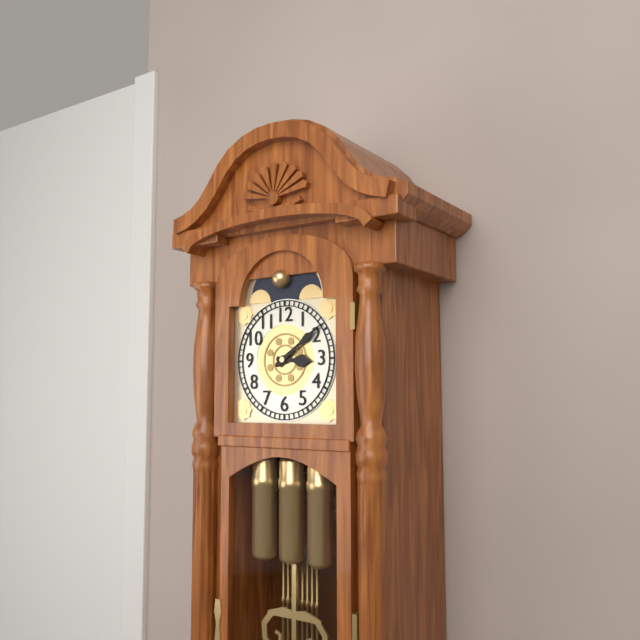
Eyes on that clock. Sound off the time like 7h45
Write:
3h09
